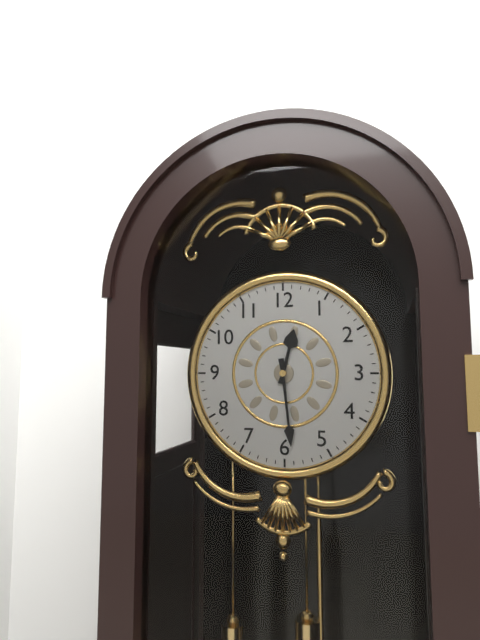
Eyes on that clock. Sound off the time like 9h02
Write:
12h29
